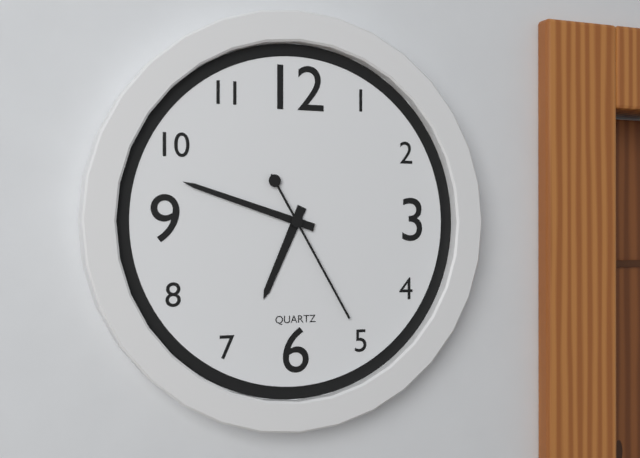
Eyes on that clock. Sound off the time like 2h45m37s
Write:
6h48m25s
